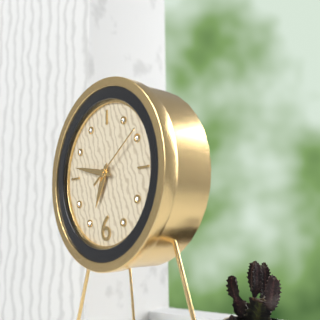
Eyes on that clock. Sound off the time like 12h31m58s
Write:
6h47m09s
